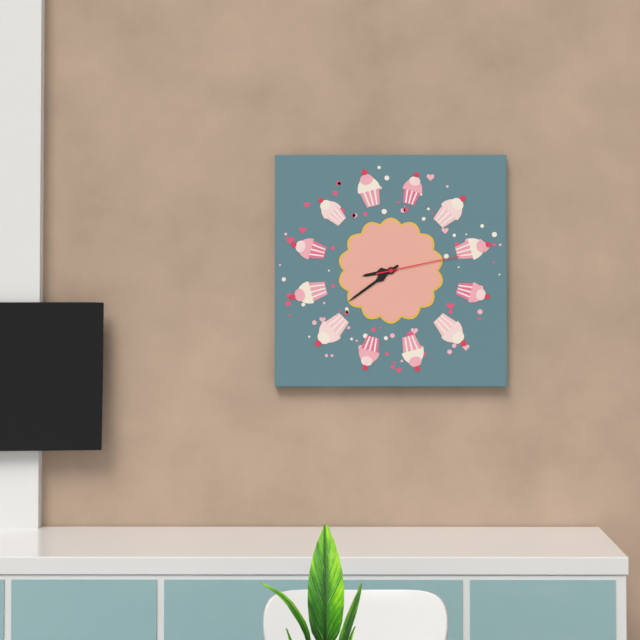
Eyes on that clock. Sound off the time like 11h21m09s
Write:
8h39m13s
